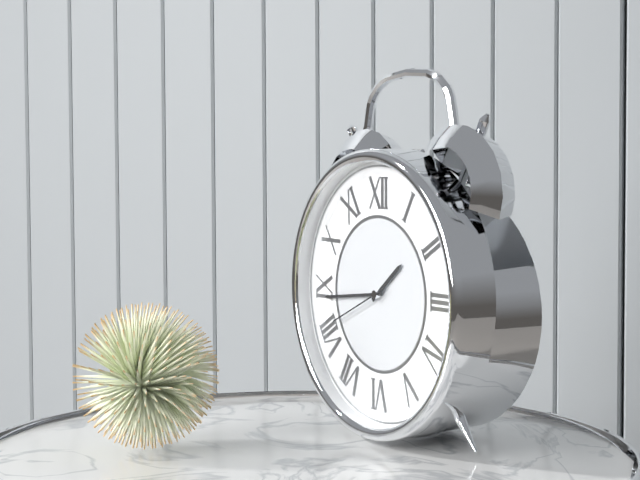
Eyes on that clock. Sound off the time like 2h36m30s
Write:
1h44m41s
